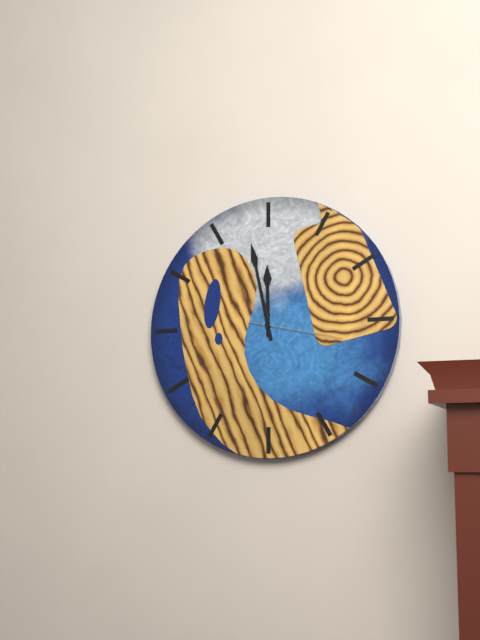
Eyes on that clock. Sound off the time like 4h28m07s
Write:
11h58m17s
